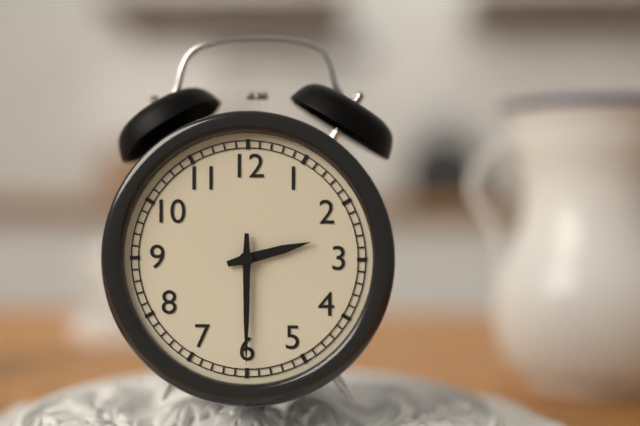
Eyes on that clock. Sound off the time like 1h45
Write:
2h30
